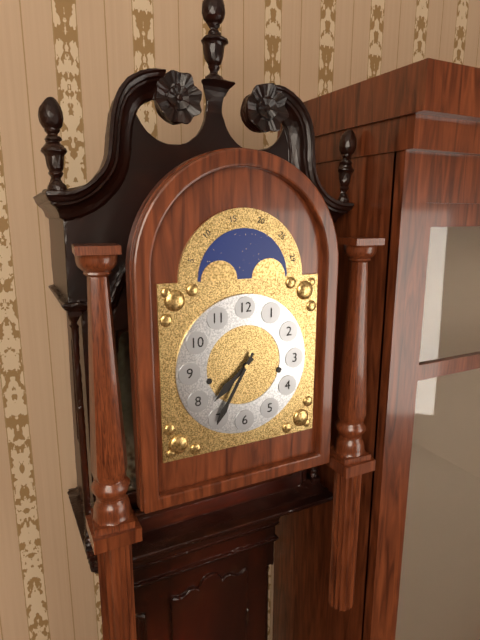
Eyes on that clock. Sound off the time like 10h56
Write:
7h35
